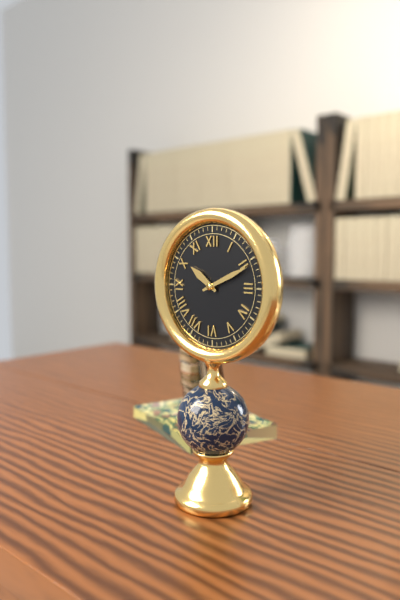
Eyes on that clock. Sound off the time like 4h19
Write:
10h11
